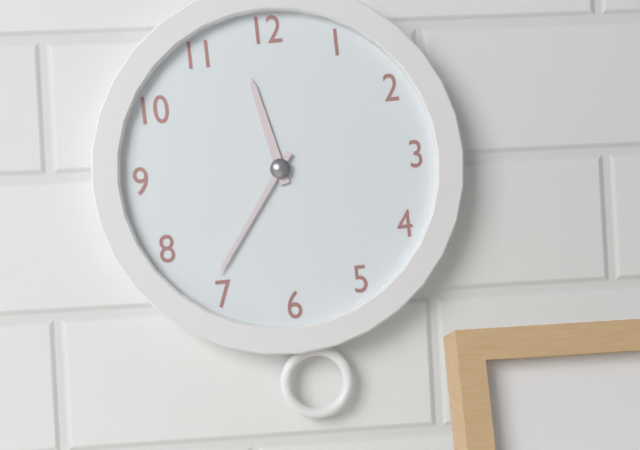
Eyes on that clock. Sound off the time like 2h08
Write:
11h36
